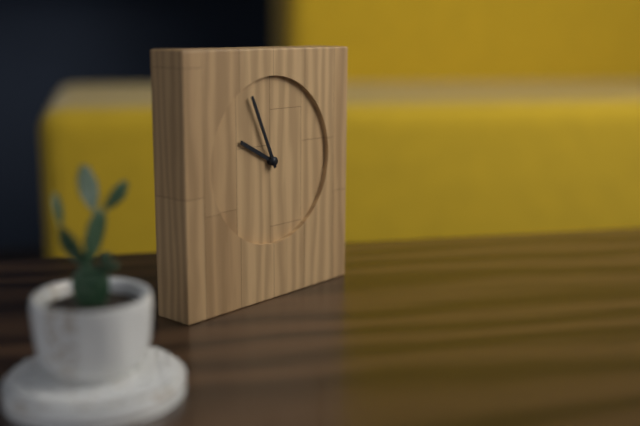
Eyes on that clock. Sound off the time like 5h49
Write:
9h56
